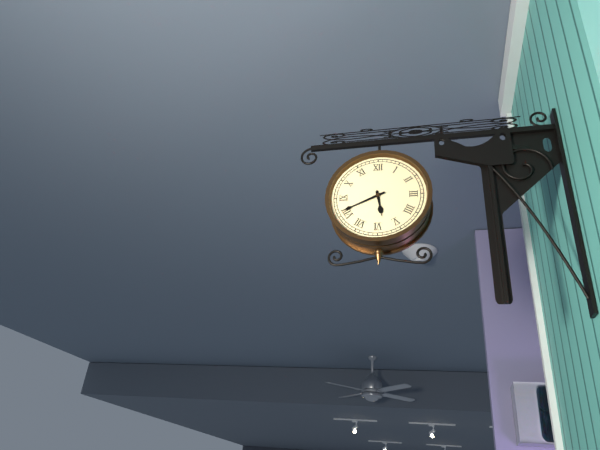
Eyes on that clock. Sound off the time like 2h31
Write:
5h41
